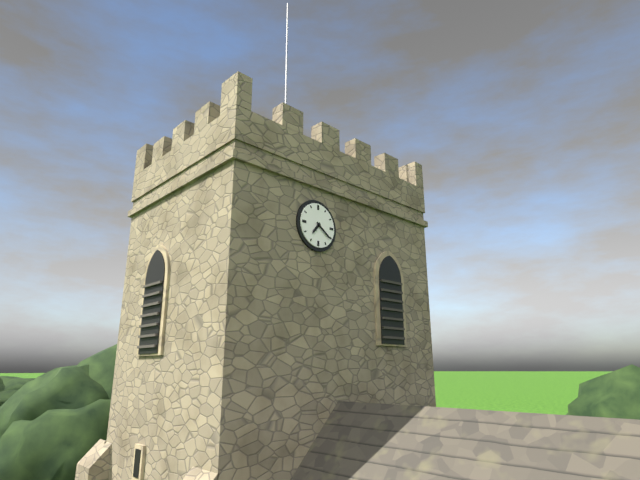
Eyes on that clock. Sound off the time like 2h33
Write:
7h21
